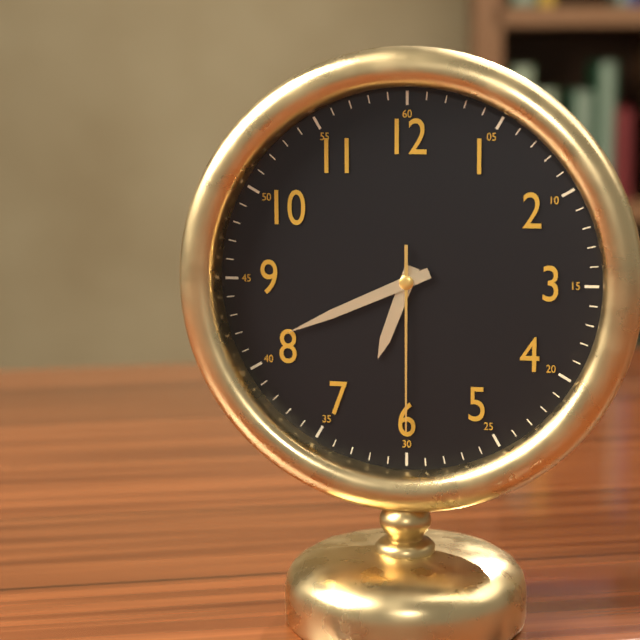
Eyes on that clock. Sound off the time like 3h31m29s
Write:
6h41m30s
